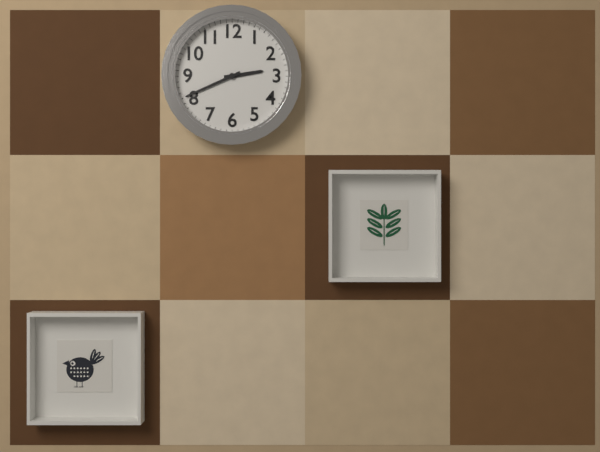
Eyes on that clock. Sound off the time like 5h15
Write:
2h41
